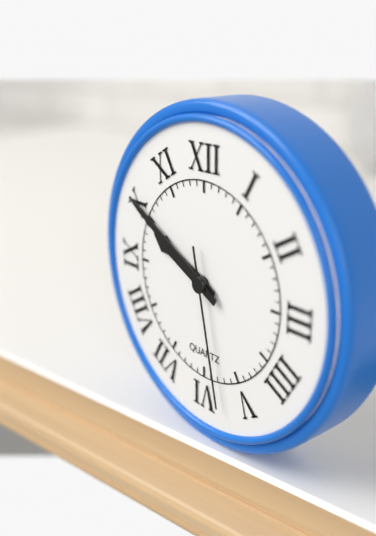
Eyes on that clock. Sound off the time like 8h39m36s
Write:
9h50m28s
